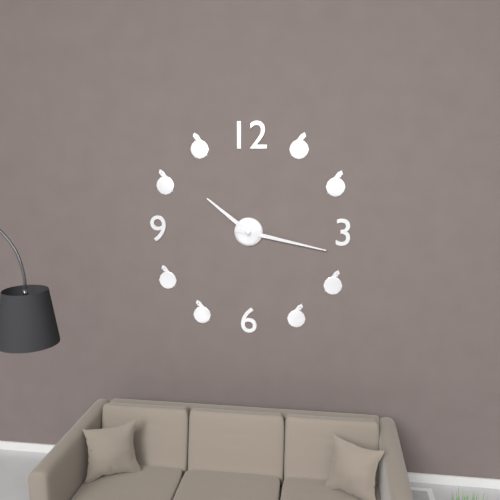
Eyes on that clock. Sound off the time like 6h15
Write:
10h17
